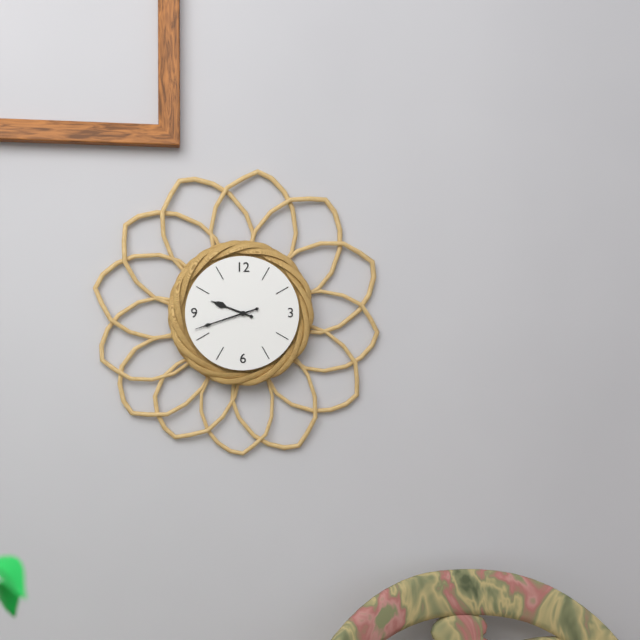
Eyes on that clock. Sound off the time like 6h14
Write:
9h42
